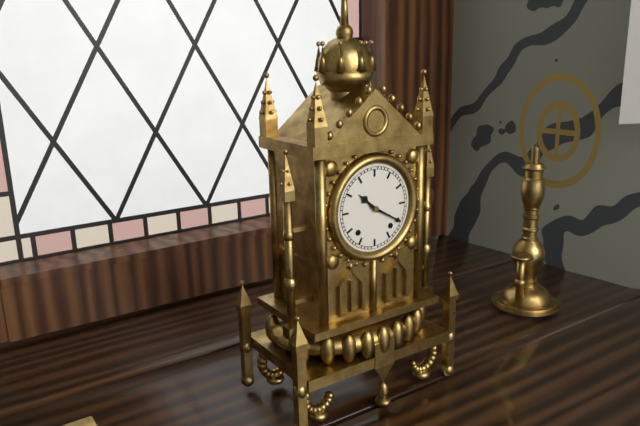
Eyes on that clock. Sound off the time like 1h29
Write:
10h20
